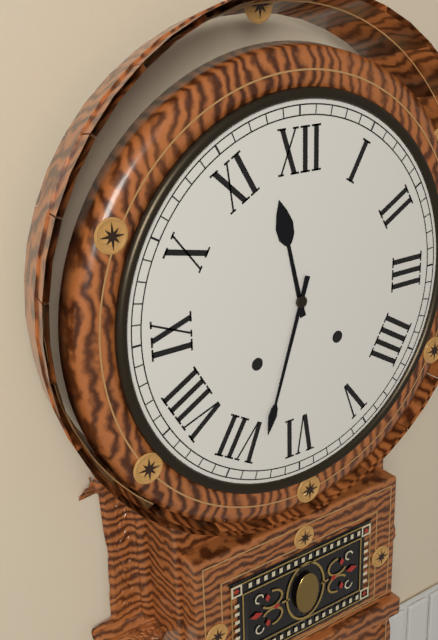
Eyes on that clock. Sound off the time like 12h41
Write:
11h33
